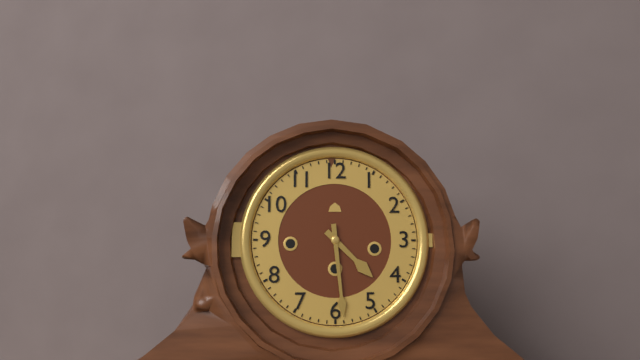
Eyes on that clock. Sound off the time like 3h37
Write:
4h29
